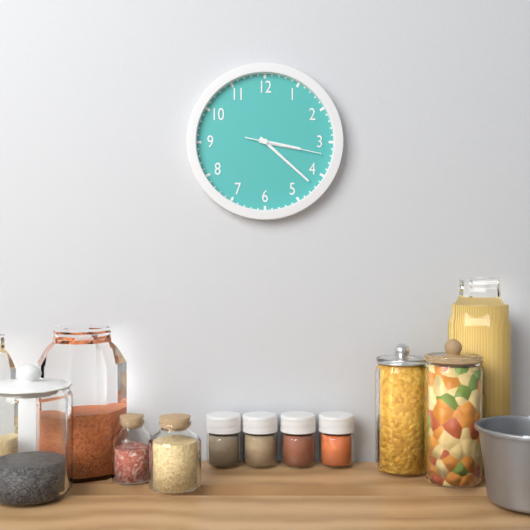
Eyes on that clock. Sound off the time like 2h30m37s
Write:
3h22m17s
